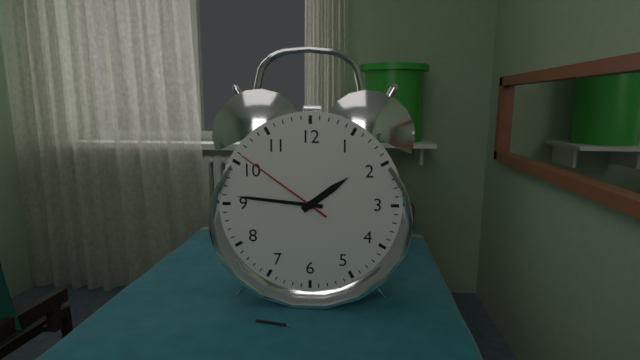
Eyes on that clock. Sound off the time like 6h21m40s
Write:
1h46m51s
